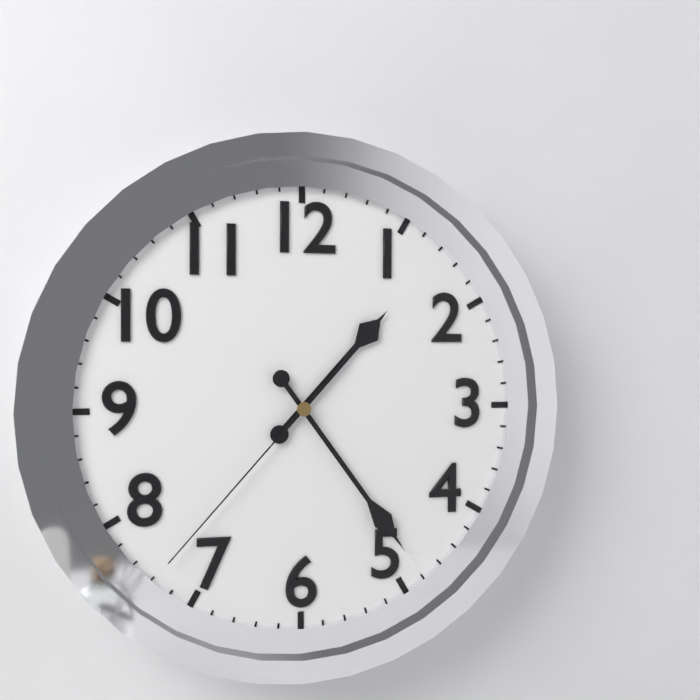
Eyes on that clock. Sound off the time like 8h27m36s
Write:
1h24m37s
